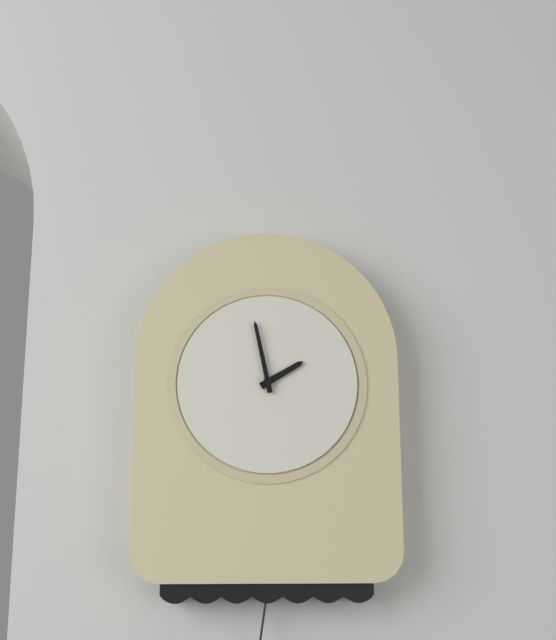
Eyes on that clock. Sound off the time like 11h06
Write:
1h58
